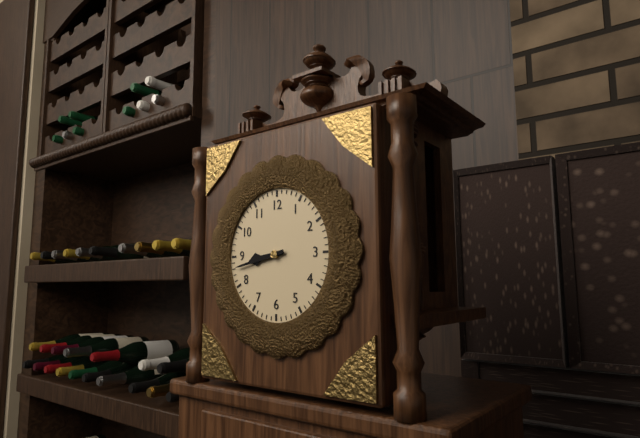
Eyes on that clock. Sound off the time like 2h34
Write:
8h43
